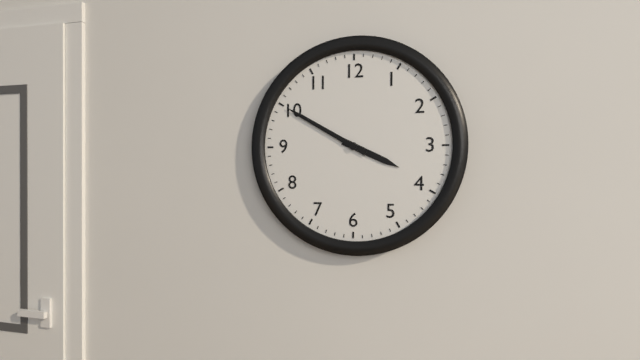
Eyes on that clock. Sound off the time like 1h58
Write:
3h50
